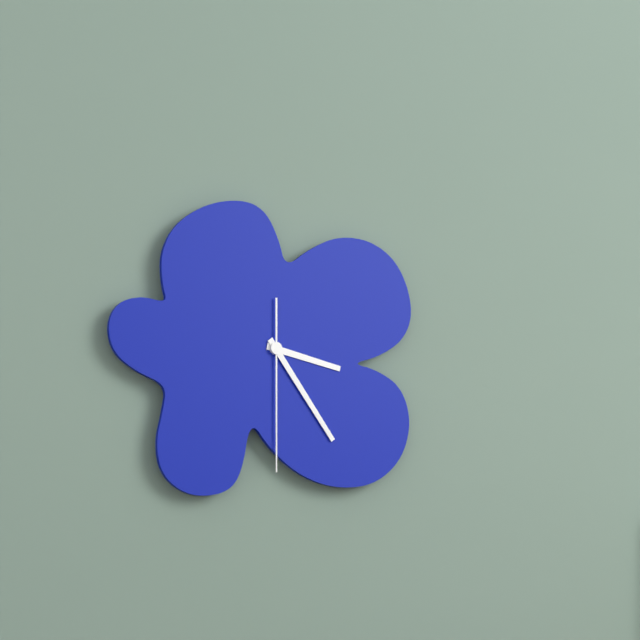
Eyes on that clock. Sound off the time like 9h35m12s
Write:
3h24m30s
